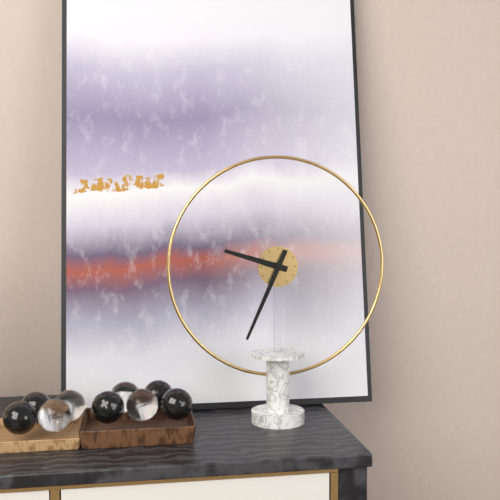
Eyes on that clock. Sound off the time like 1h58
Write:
9h34
